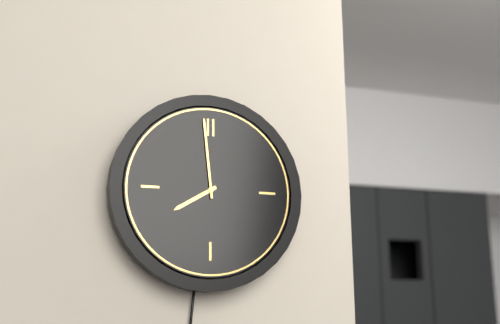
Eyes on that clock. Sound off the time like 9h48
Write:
7h59
